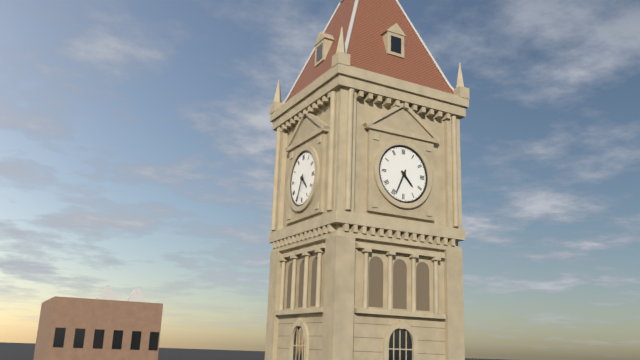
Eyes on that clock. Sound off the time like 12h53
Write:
4h34
